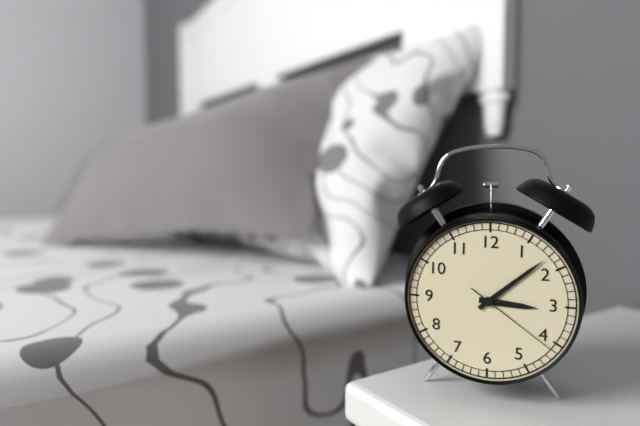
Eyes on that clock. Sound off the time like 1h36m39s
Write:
3h08m21s
